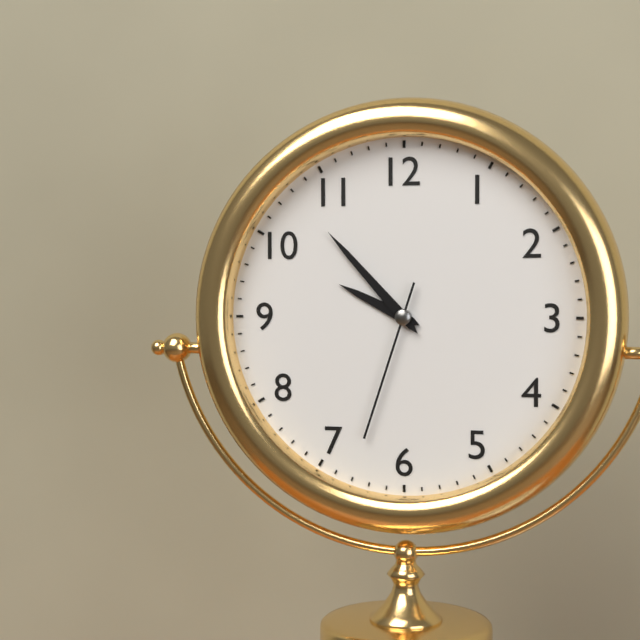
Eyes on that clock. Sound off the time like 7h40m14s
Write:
9h53m33s
